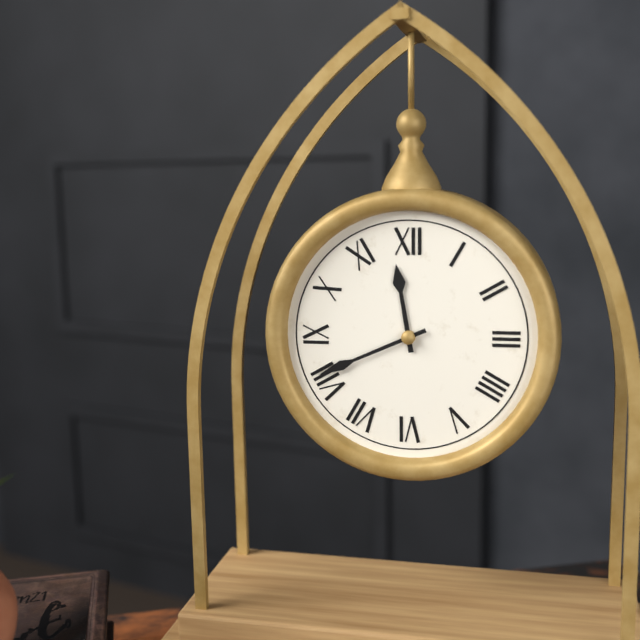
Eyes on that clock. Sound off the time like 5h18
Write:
11h41
